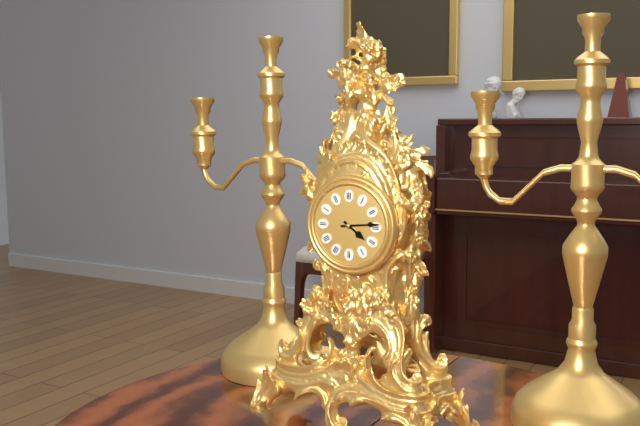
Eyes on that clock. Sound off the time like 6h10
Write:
4h14
